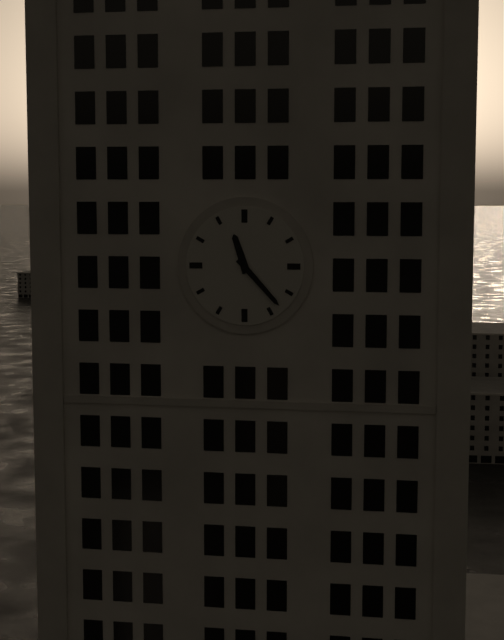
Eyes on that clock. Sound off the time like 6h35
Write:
11h23
